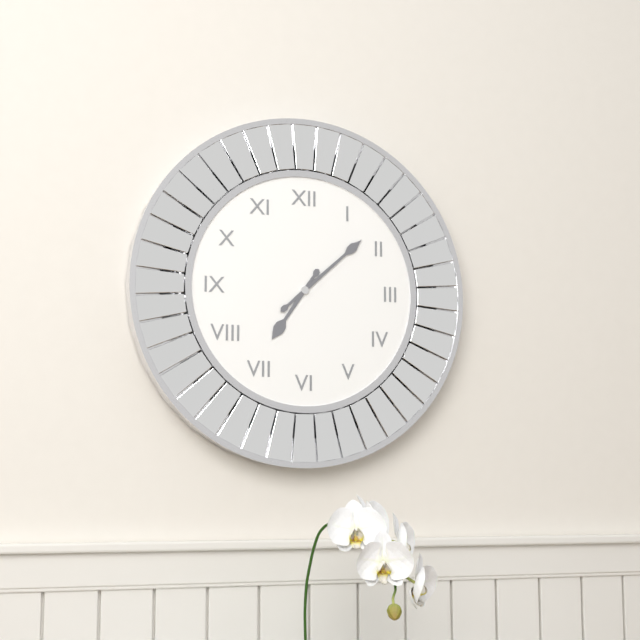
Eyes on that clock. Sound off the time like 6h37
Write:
7h08
